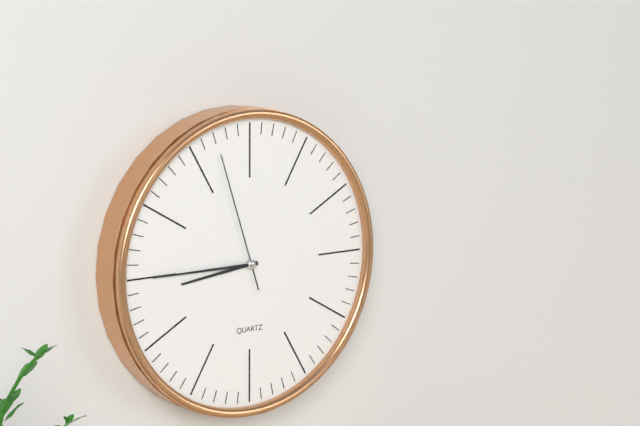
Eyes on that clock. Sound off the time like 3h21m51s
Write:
8h45m57s
